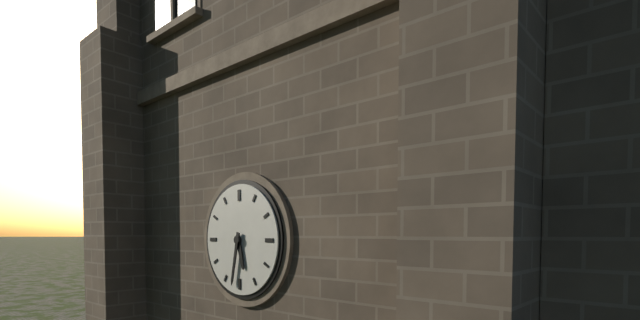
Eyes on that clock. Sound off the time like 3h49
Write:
5h32
